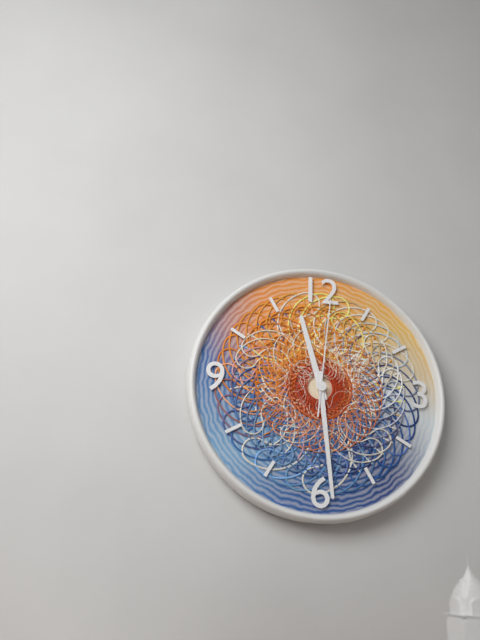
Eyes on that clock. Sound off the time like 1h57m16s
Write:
11h29m01s
